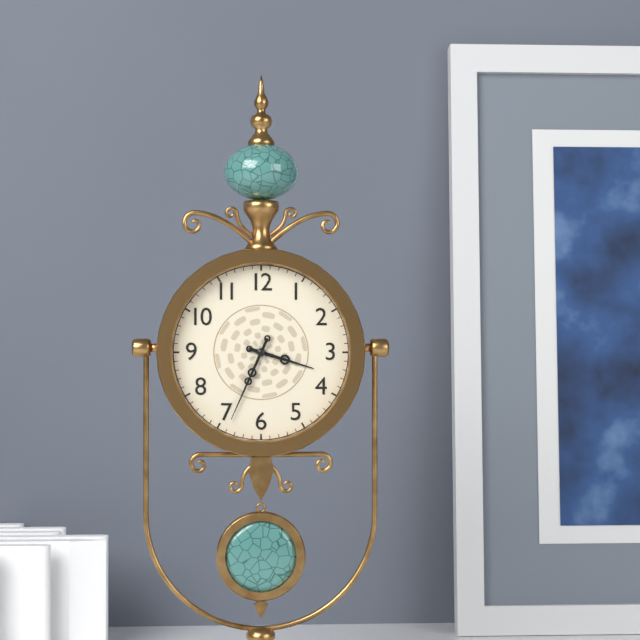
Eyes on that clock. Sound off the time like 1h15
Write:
3h34
